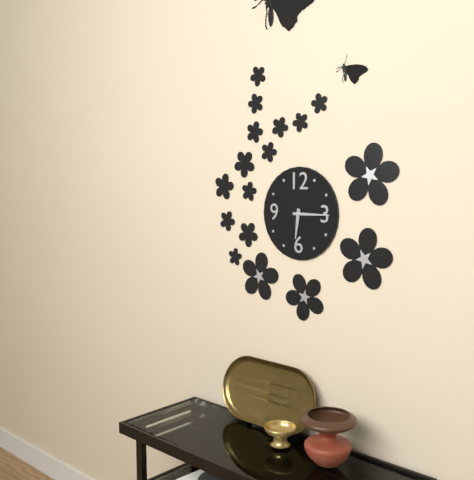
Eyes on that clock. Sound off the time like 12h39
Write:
6h15
